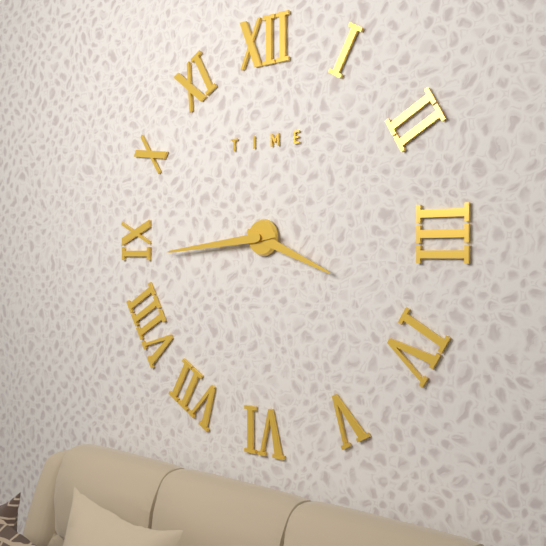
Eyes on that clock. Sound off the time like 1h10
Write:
3h44
